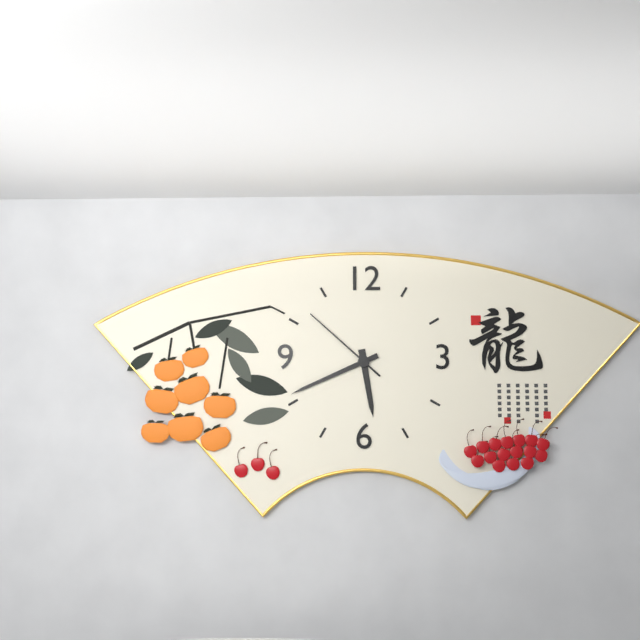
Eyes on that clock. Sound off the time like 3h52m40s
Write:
5h41m52s
